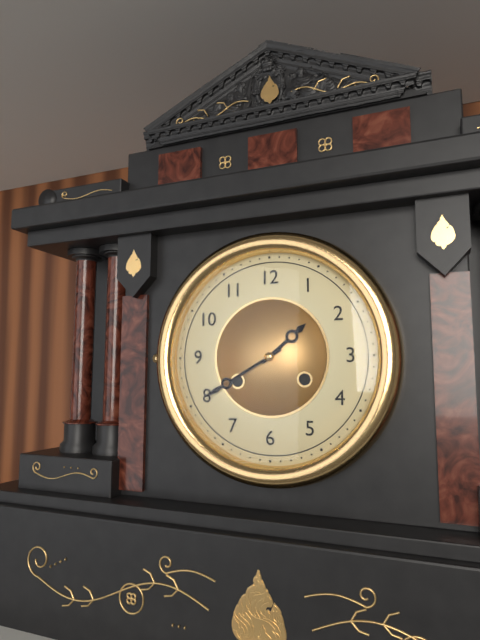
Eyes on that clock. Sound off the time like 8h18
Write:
1h40
